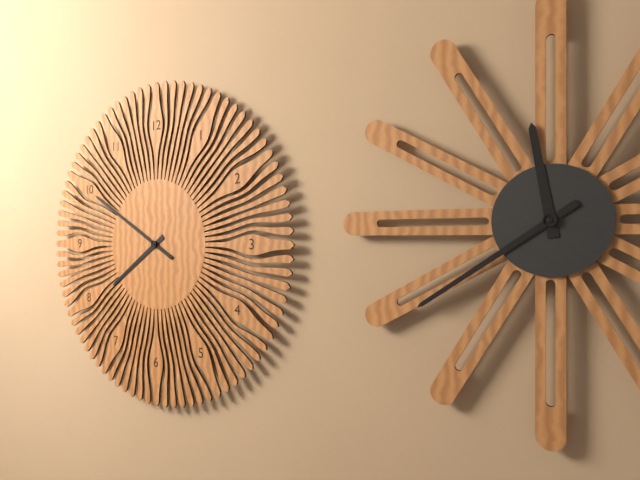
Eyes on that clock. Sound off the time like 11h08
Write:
7h50
